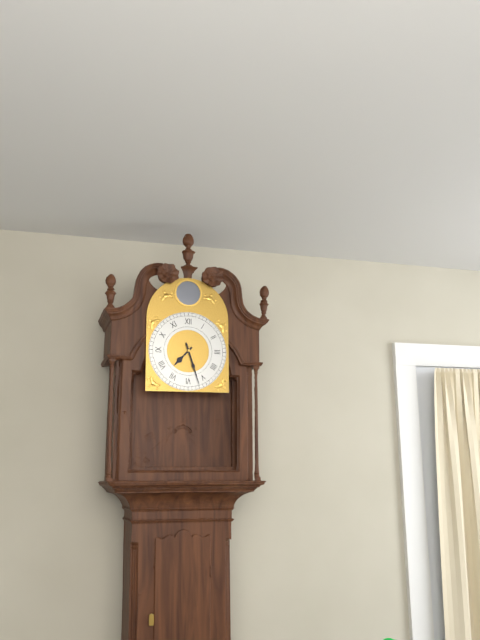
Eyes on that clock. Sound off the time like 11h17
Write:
7h27
